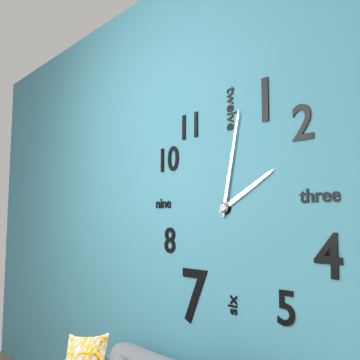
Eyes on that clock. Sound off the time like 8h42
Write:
2h02
